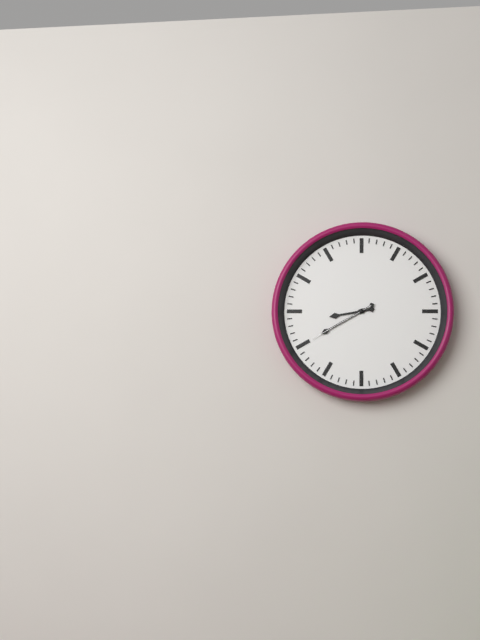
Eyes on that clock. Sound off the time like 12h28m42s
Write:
8h40m40s
